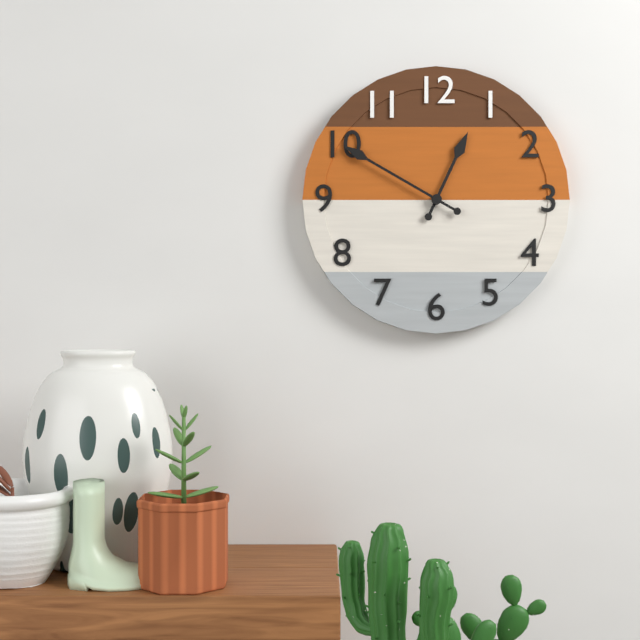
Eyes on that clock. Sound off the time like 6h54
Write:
12h50
